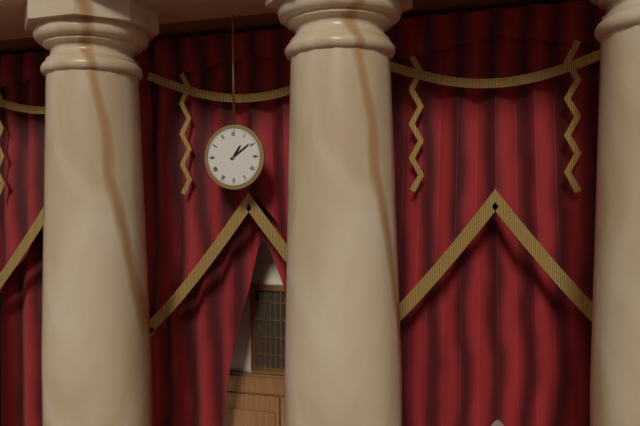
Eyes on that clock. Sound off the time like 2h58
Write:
1h09
